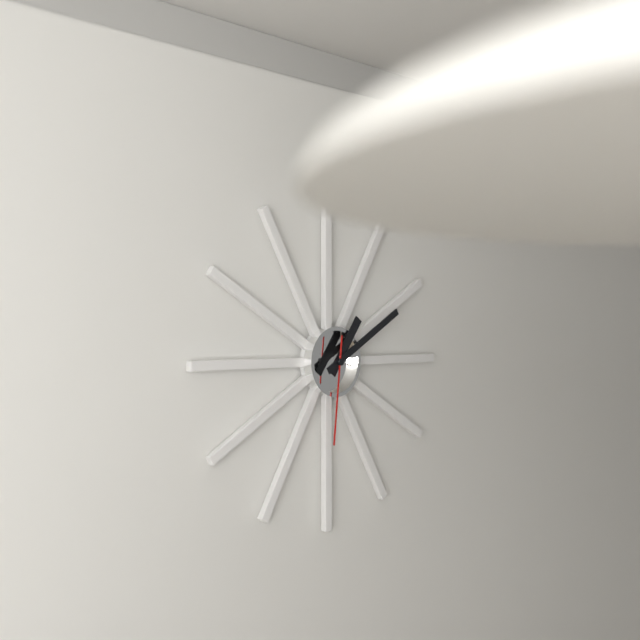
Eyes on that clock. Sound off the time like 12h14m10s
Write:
1h10m31s
